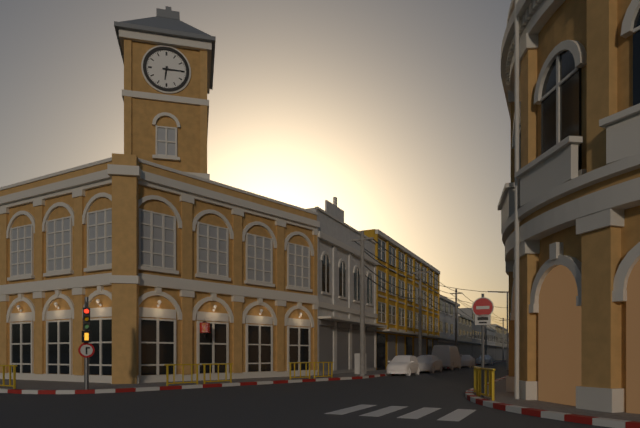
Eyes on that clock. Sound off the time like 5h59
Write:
6h15
